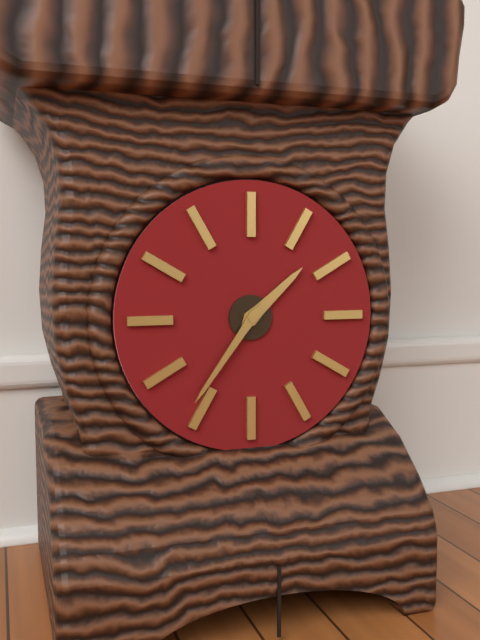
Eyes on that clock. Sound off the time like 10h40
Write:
1h36
